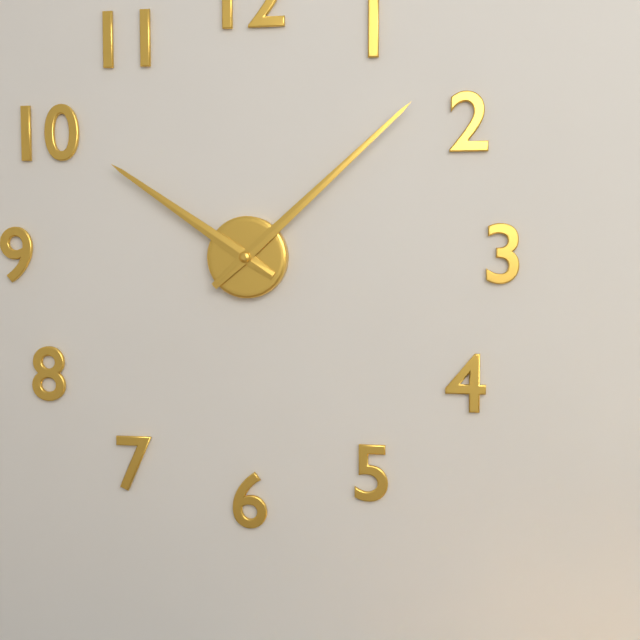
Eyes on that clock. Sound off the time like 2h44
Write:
10h08
